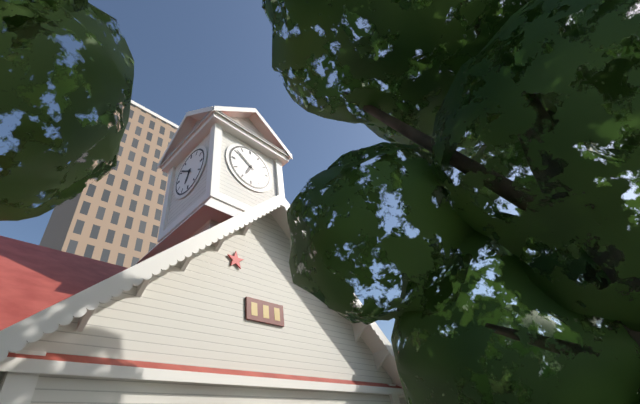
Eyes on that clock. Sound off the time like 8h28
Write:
6h51
